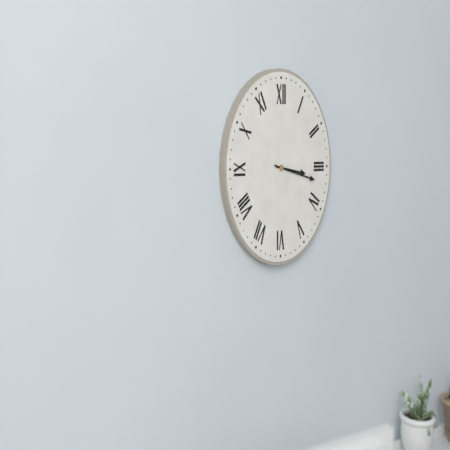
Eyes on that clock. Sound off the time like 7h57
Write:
3h17
